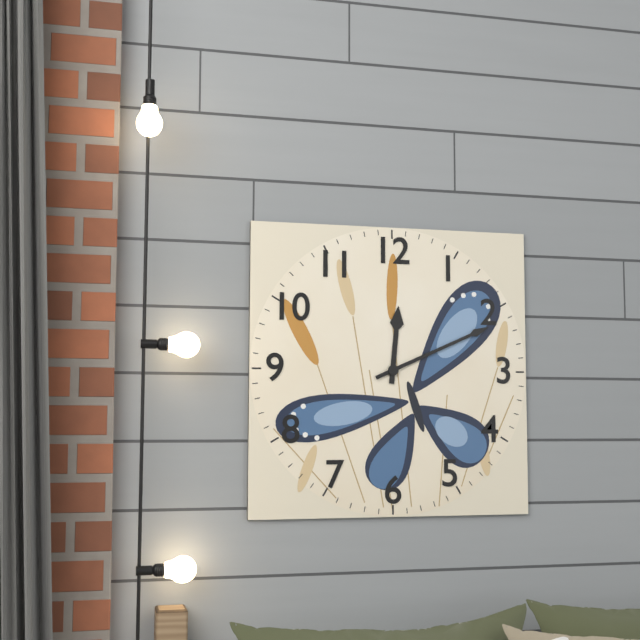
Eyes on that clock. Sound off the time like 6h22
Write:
12h11
